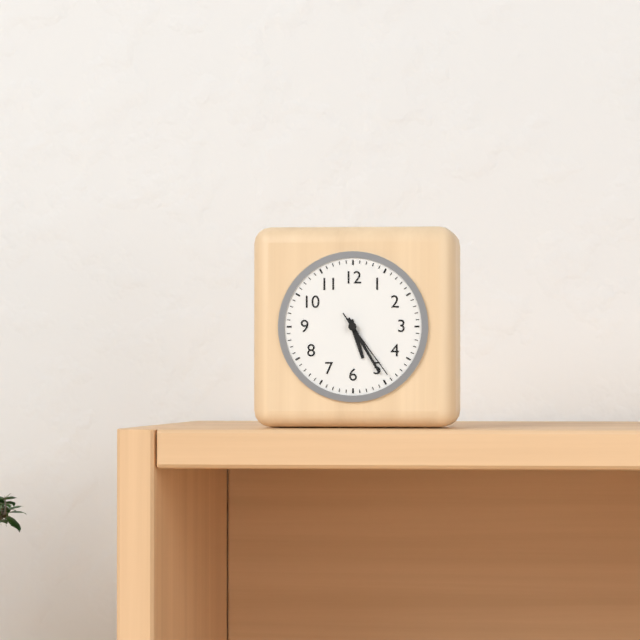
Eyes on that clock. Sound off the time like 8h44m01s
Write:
5h25m24s
